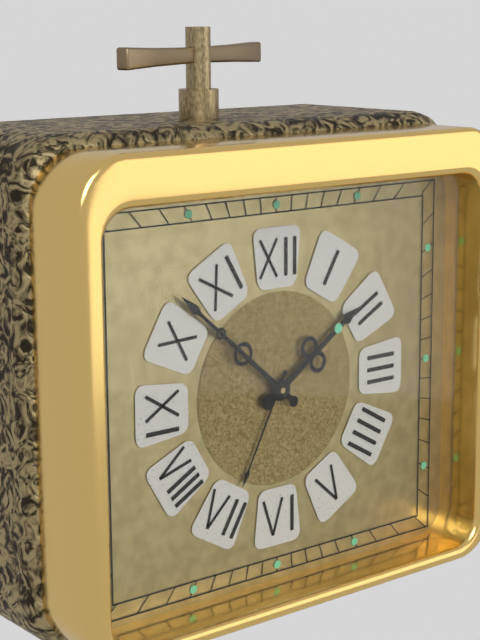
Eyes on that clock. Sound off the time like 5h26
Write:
1h52
